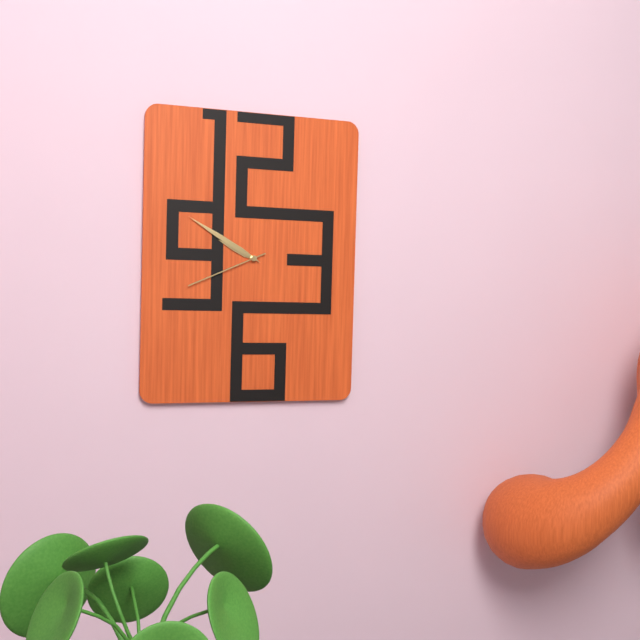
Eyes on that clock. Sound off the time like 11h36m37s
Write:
9h50m41s
